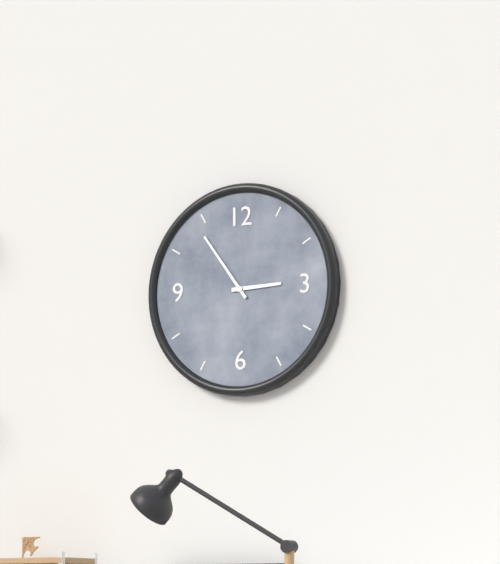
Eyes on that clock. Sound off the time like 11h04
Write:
2h54
